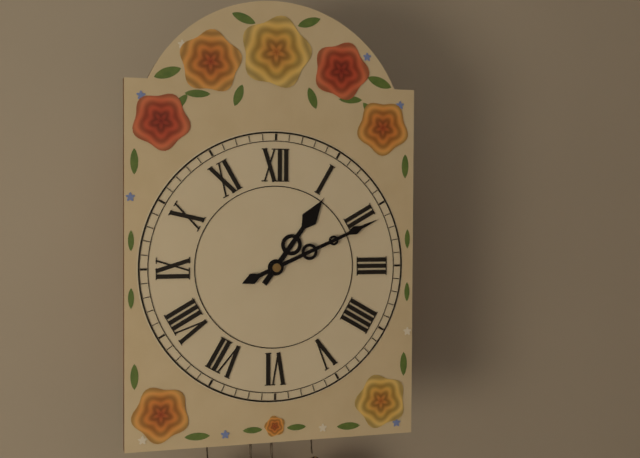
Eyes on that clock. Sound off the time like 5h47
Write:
1h11
